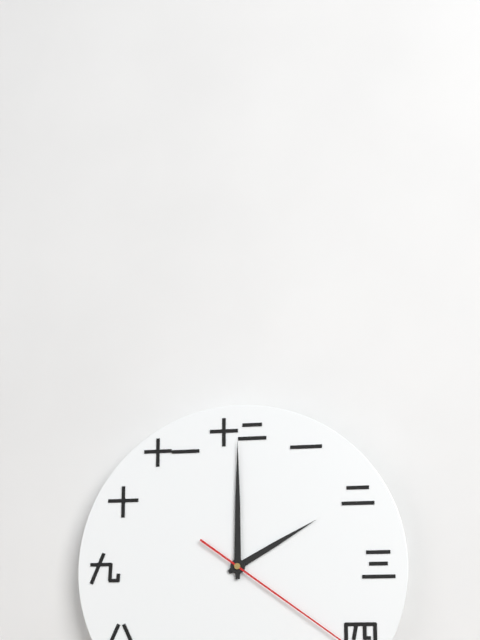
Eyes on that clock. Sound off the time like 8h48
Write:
2h00
